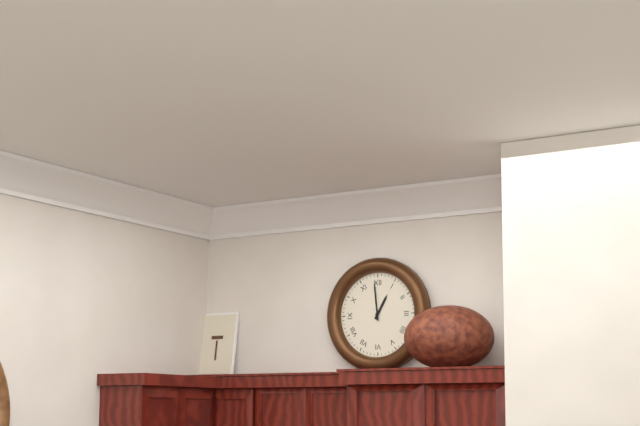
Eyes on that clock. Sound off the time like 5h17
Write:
12h59
